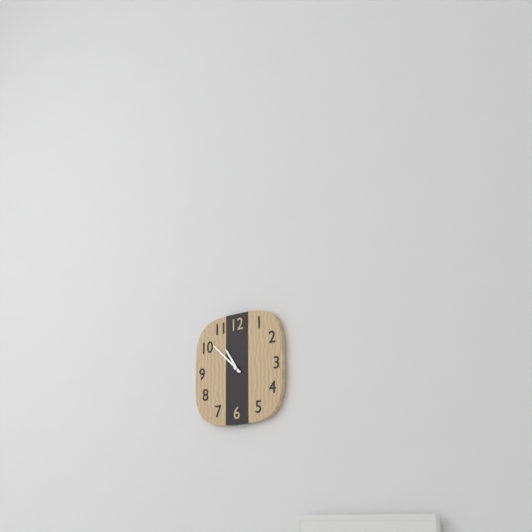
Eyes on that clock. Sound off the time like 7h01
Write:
10h52
